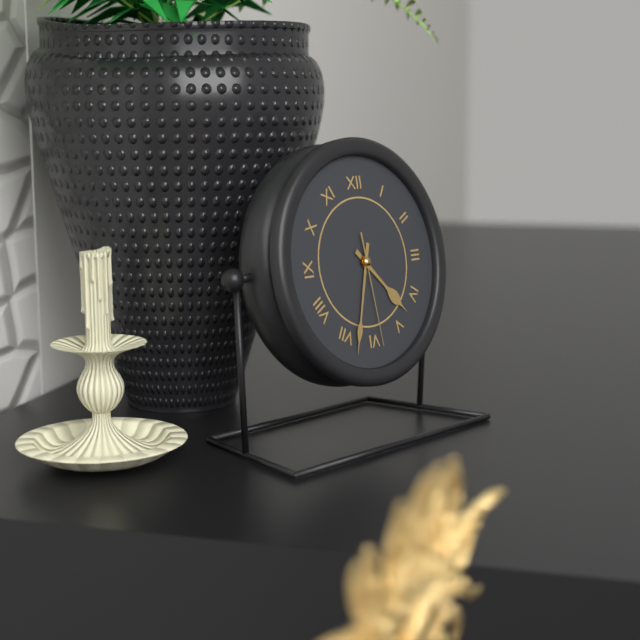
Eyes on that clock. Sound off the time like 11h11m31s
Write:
4h33m29s
